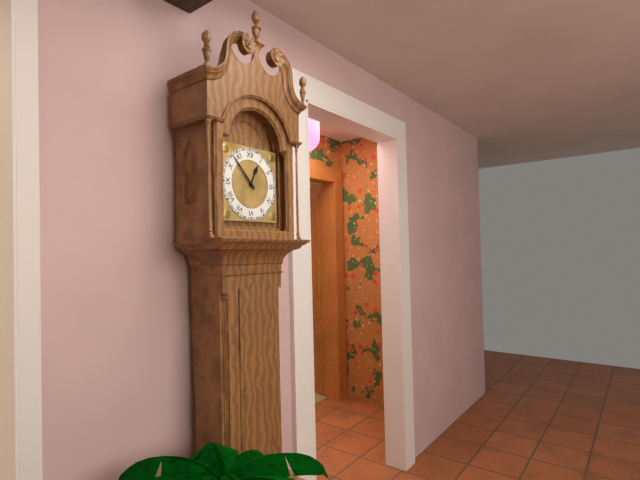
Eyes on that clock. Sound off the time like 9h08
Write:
12h53
